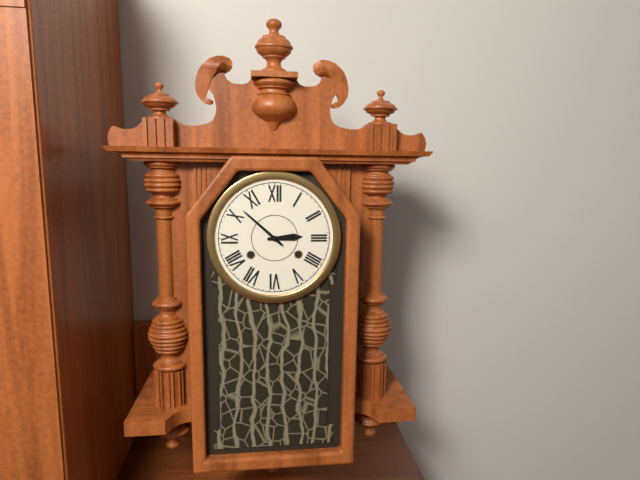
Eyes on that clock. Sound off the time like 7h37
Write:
2h52
